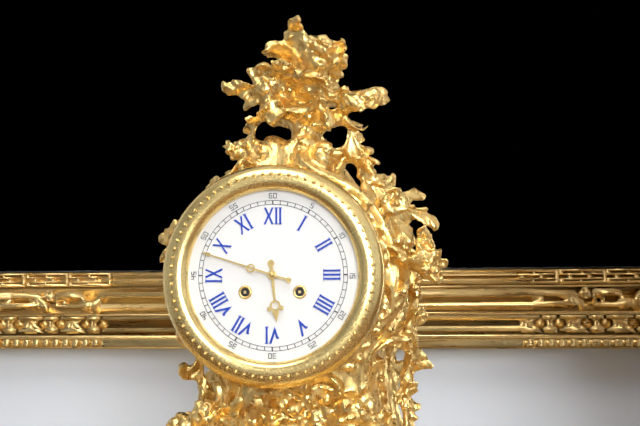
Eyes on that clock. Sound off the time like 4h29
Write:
5h48
